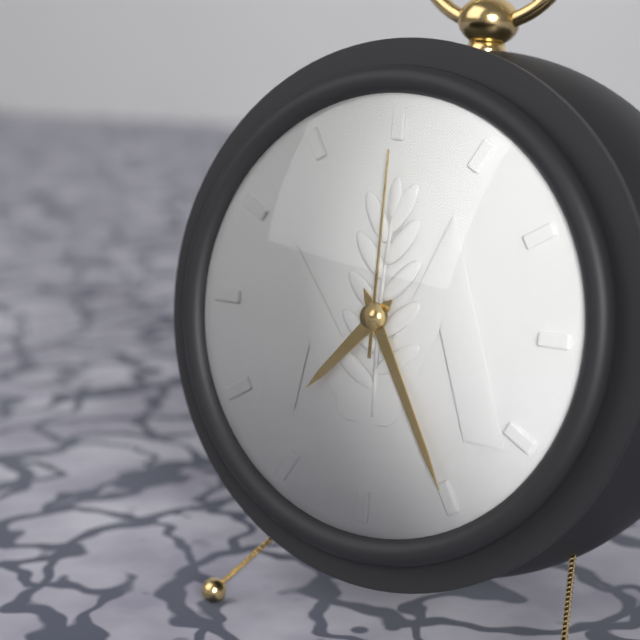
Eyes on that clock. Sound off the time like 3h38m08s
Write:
7h25m00s
